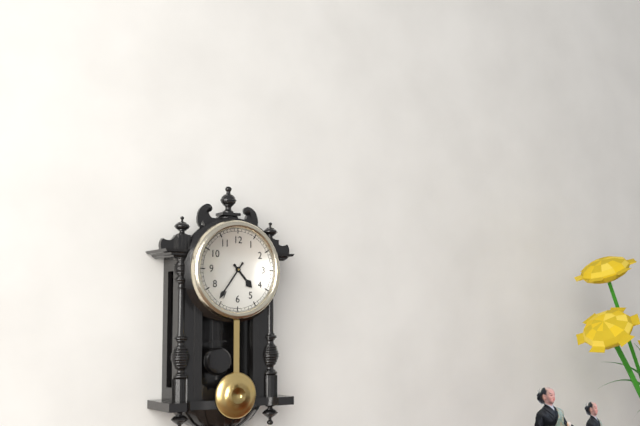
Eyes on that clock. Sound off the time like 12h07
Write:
4h36
